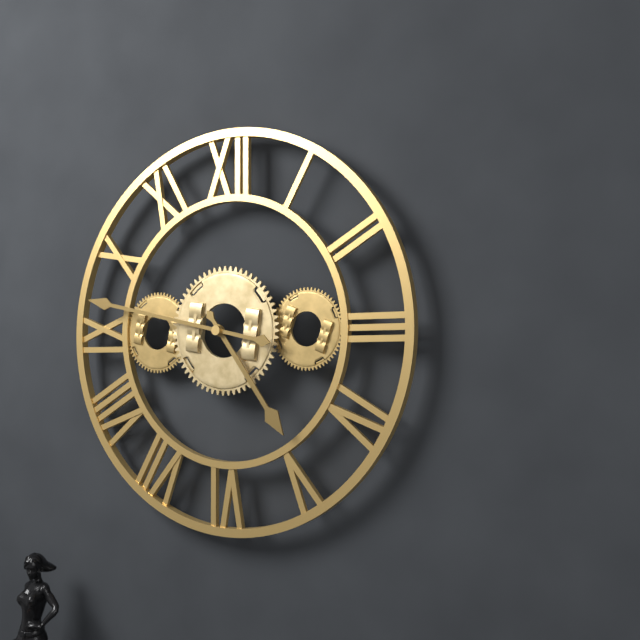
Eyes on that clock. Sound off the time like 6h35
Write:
4h47
